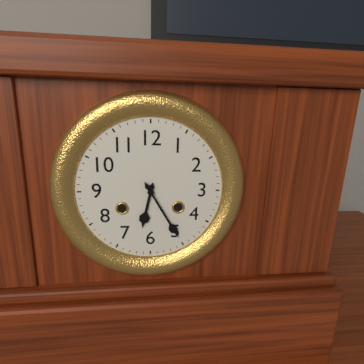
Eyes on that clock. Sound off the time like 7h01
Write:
6h25
